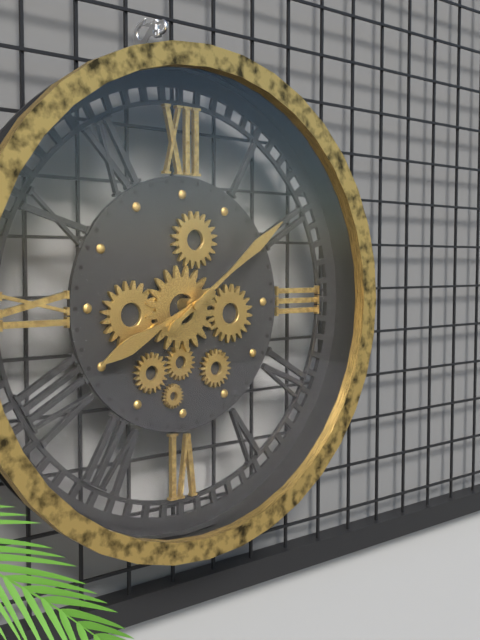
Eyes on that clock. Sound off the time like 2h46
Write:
8h09
